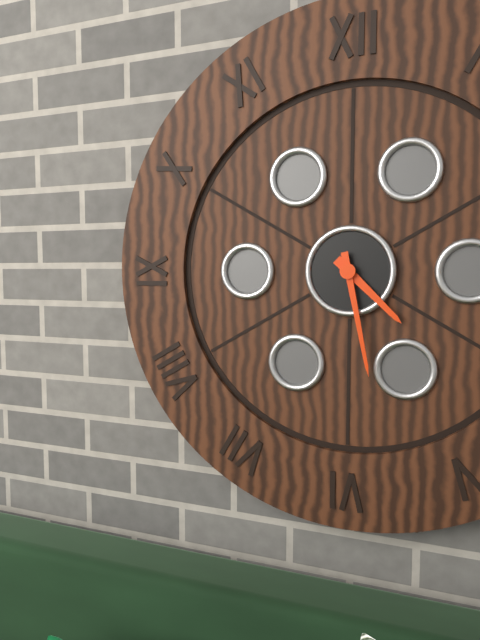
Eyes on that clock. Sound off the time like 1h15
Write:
4h28
